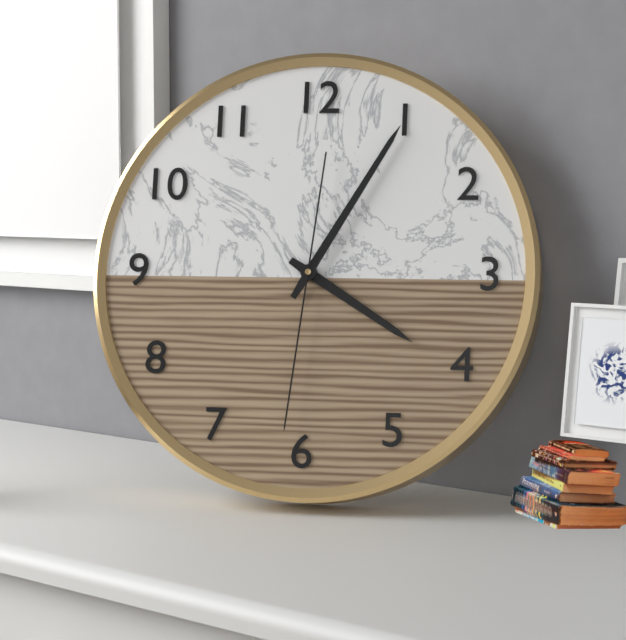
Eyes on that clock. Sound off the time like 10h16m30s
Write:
4h05m31s
